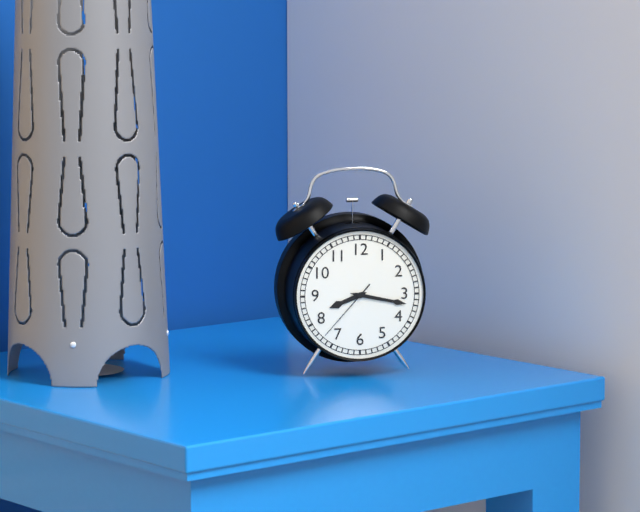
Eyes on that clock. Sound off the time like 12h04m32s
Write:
8h17m37s
